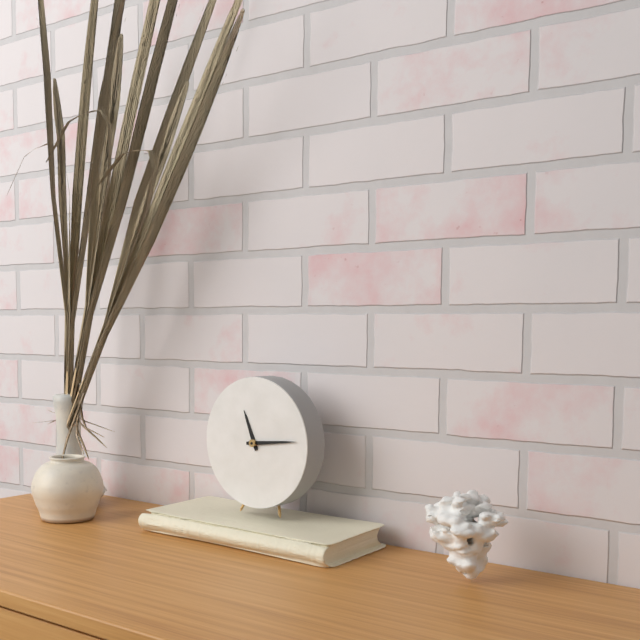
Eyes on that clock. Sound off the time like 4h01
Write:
11h14
